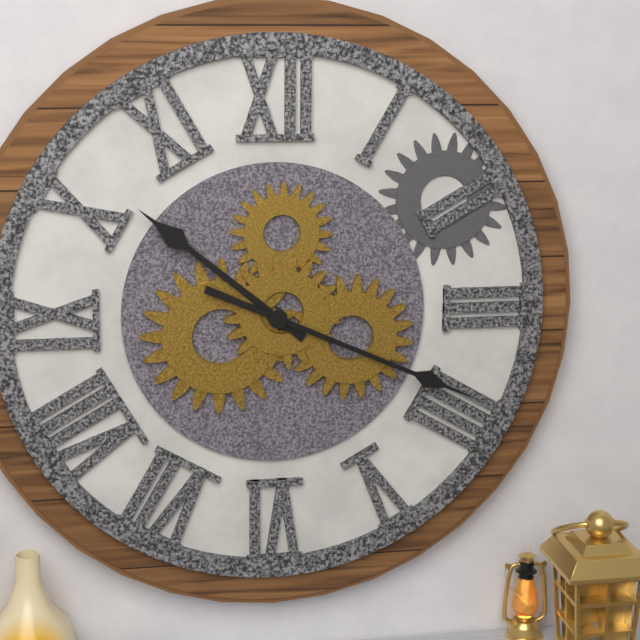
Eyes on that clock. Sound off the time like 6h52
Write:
10h19
